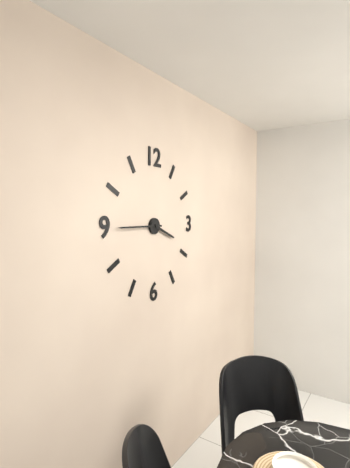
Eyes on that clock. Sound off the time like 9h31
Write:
3h45
